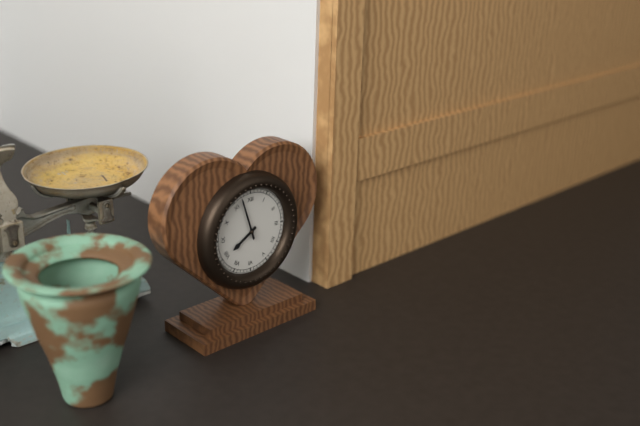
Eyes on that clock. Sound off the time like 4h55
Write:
7h57
